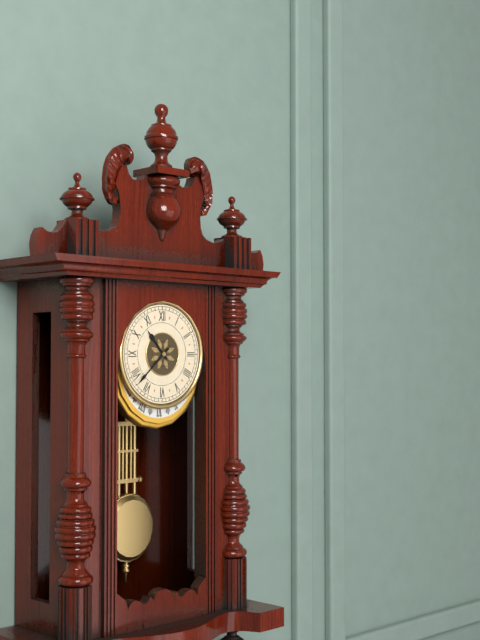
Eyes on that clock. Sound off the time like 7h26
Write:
10h38
